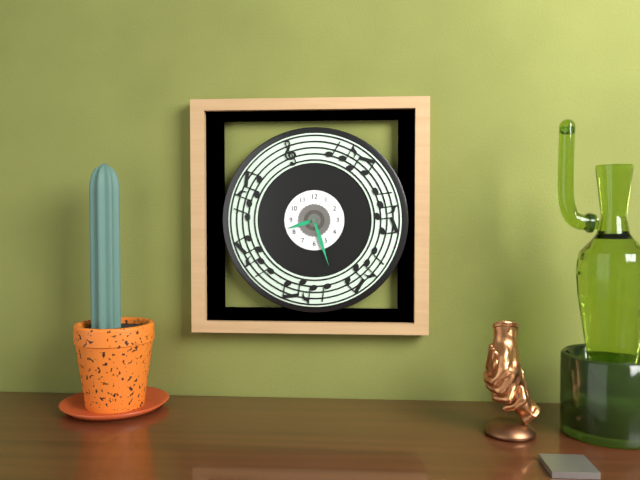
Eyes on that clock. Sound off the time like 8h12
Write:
8h27
